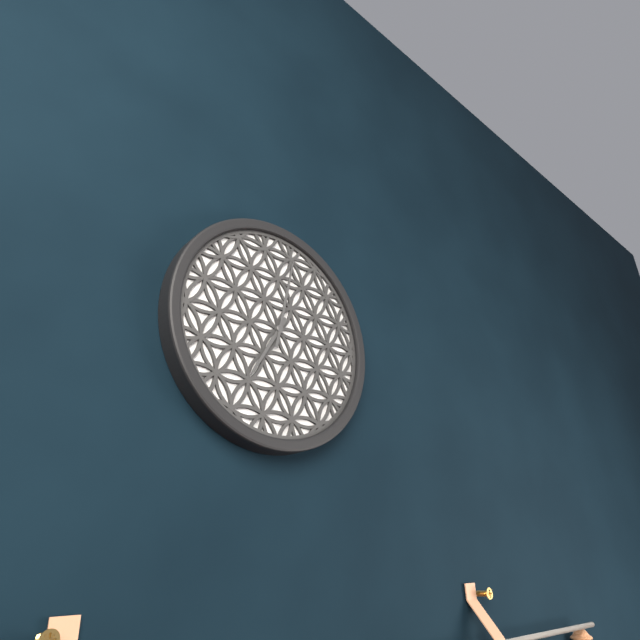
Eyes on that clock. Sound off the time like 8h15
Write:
7h02
